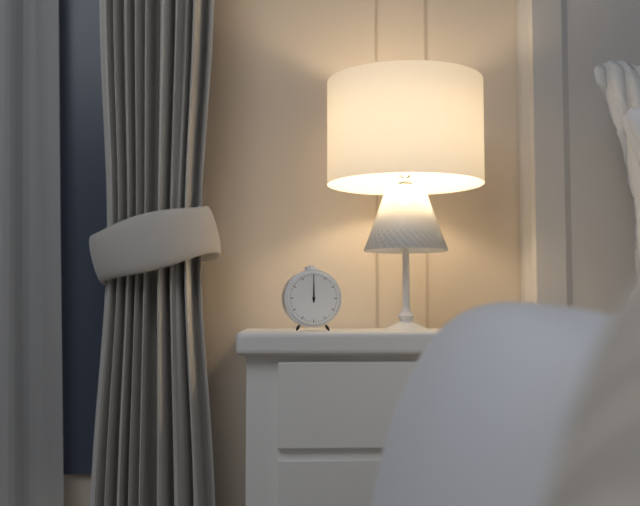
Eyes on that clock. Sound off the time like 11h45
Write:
12h00
